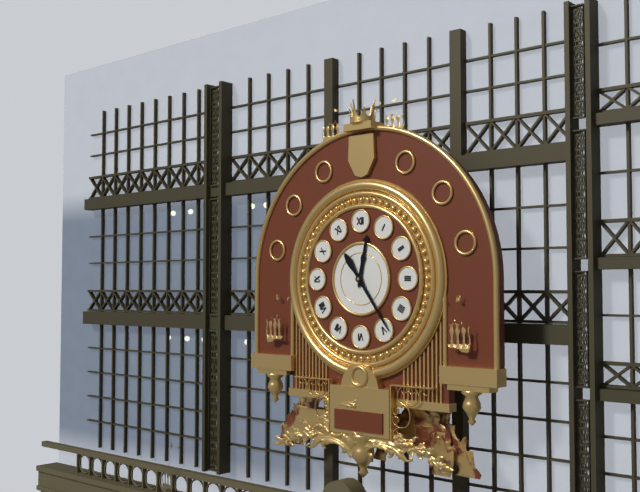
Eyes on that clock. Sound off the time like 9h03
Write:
12h24
